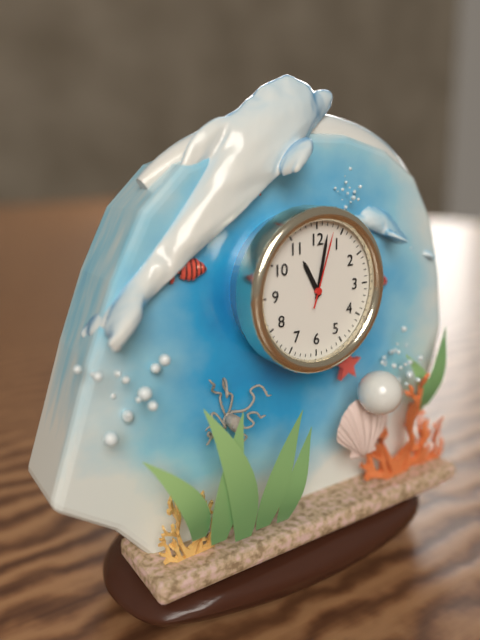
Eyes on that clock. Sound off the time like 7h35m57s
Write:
11h02m03s
